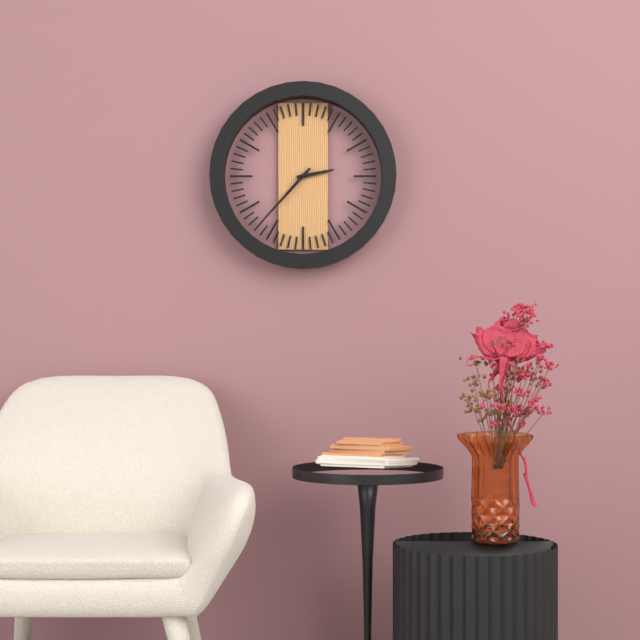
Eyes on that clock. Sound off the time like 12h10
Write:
2h37
